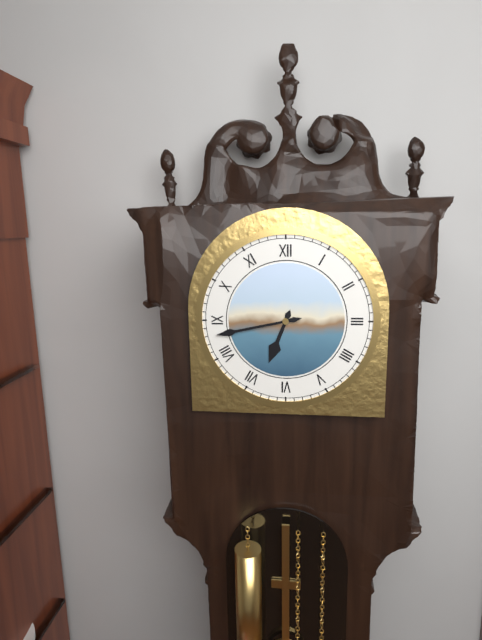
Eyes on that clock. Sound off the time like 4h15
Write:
6h43
